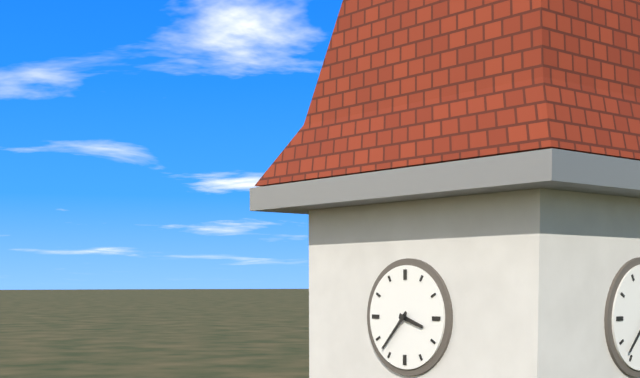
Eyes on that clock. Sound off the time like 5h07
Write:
3h37
